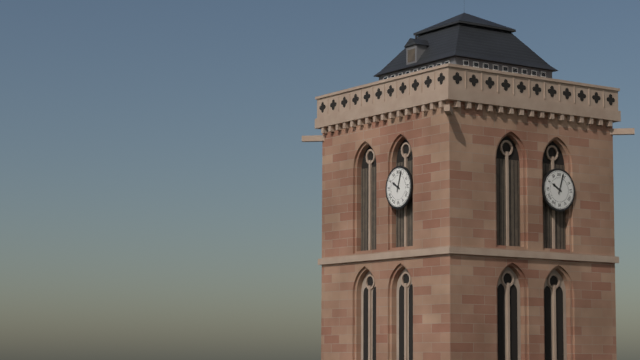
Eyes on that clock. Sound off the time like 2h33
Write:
10h03
